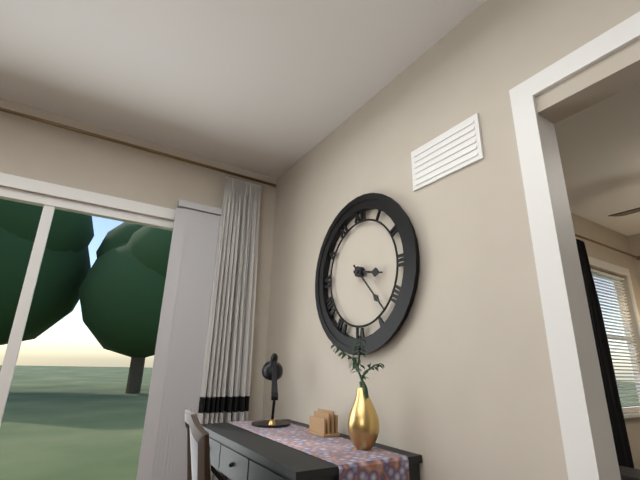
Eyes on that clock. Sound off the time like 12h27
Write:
3h23
